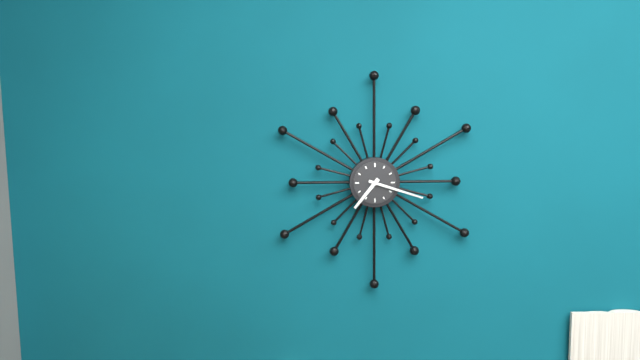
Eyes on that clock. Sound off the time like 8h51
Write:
7h18
